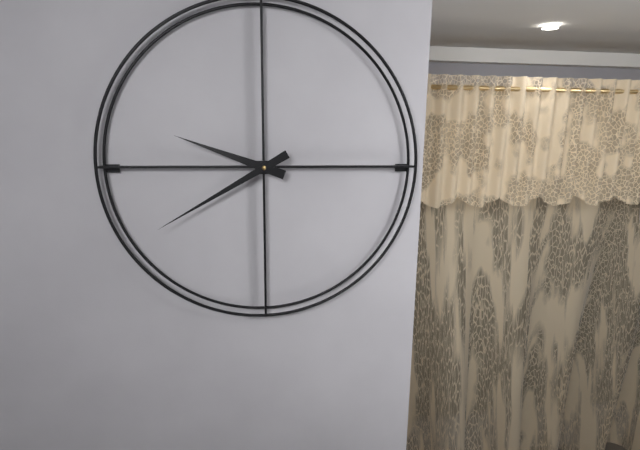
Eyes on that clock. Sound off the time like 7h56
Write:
9h40
